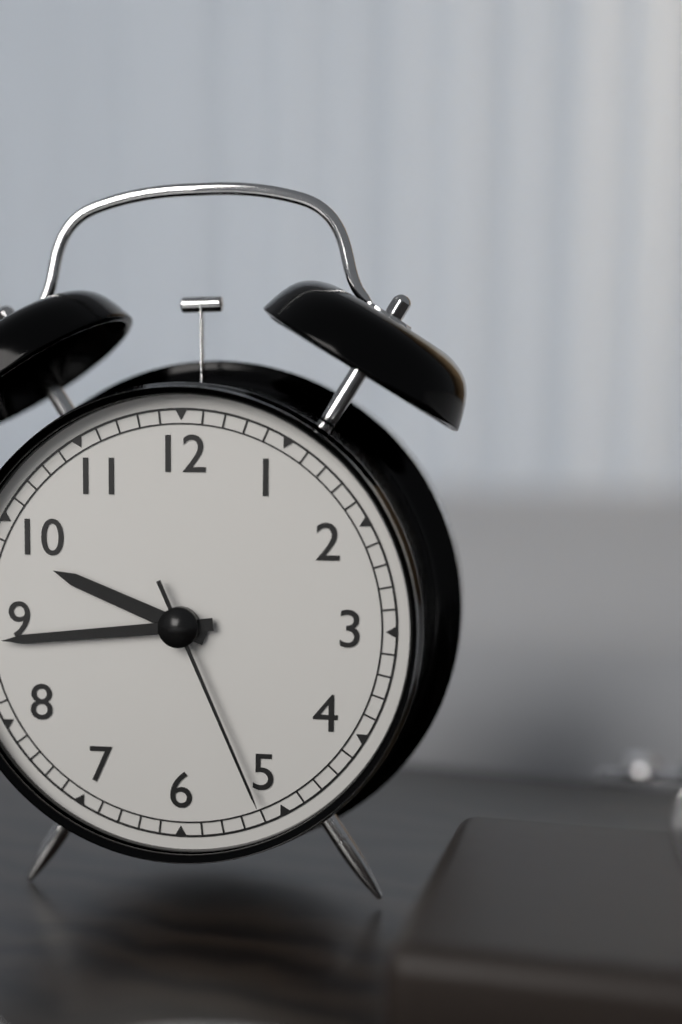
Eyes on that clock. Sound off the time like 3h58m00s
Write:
9h44m26s
